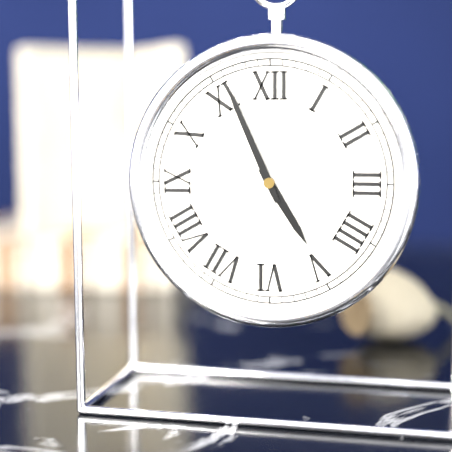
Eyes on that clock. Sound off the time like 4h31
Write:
4h56
